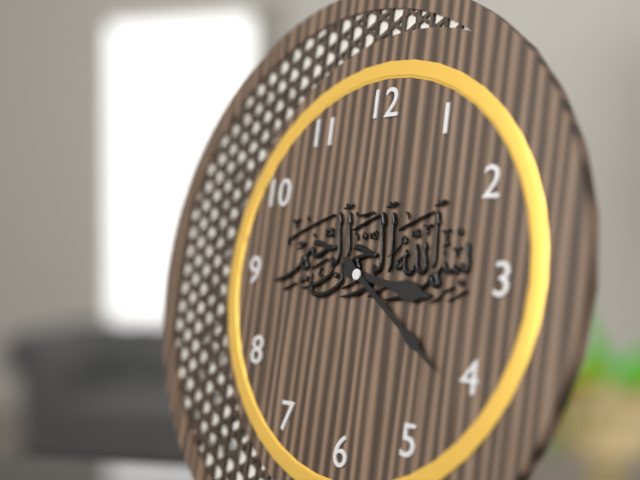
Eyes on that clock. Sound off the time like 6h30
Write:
3h21
